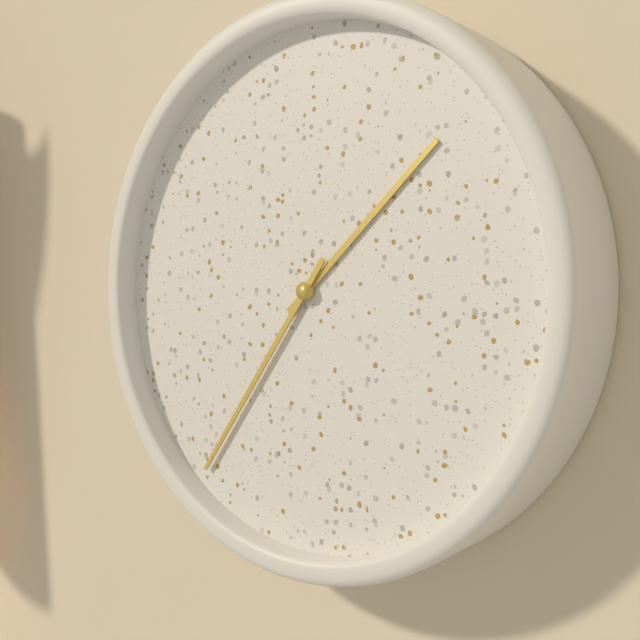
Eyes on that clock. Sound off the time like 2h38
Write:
1h36
